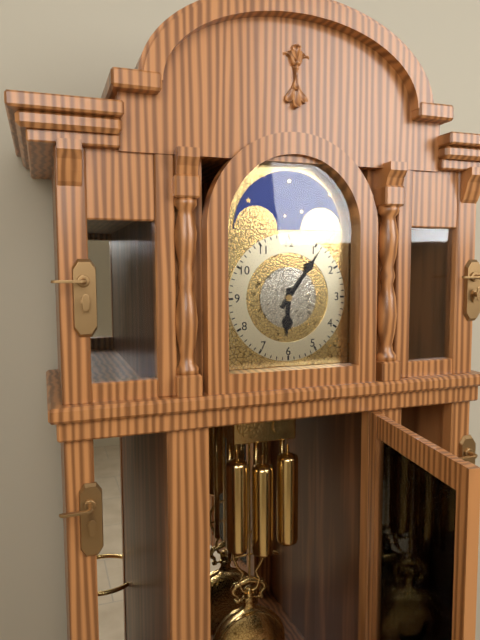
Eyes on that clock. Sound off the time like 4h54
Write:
6h06
